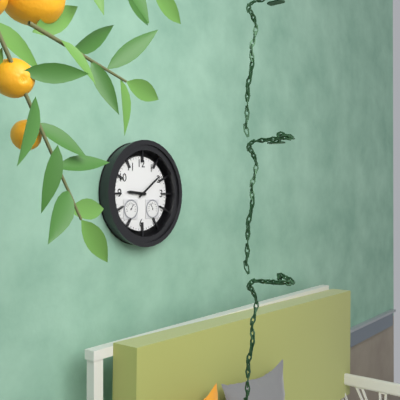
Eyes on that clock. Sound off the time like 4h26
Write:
9h09
